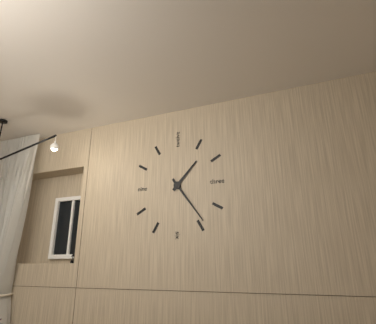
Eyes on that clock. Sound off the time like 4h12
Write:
1h24
